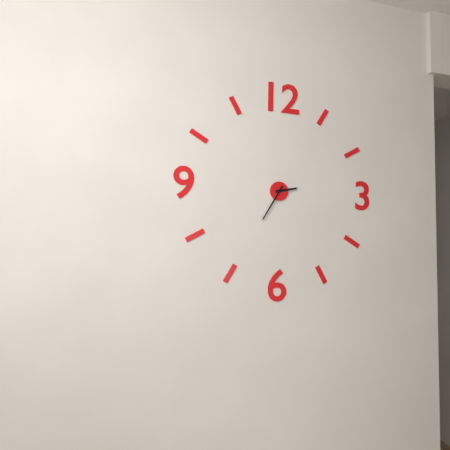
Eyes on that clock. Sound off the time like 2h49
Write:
2h35
